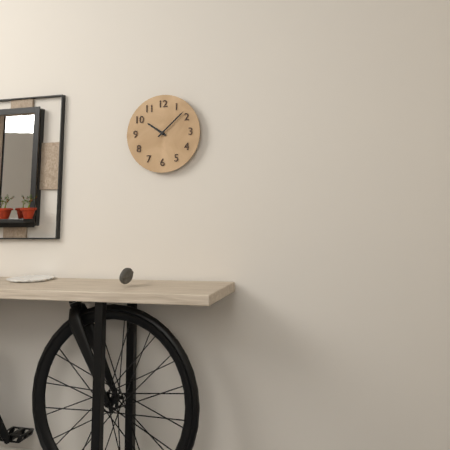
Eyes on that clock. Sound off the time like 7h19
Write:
10h08
